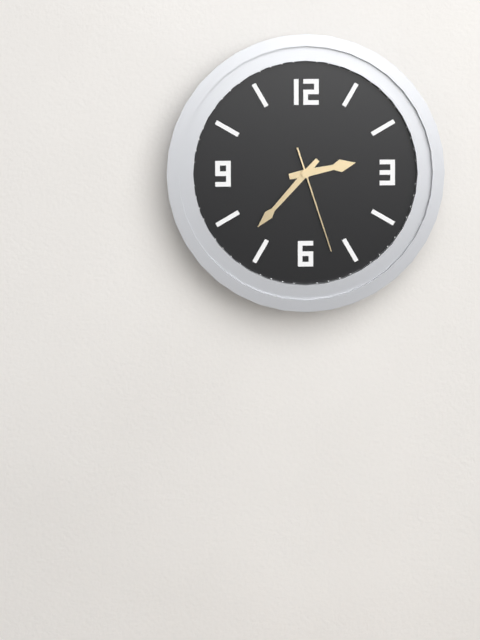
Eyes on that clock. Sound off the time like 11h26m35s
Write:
2h37m27s
